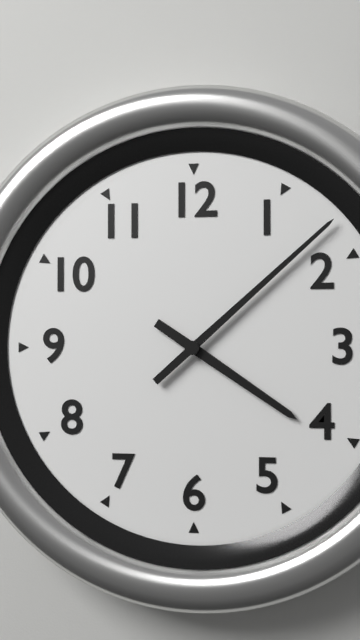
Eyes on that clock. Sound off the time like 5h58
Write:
4h08
